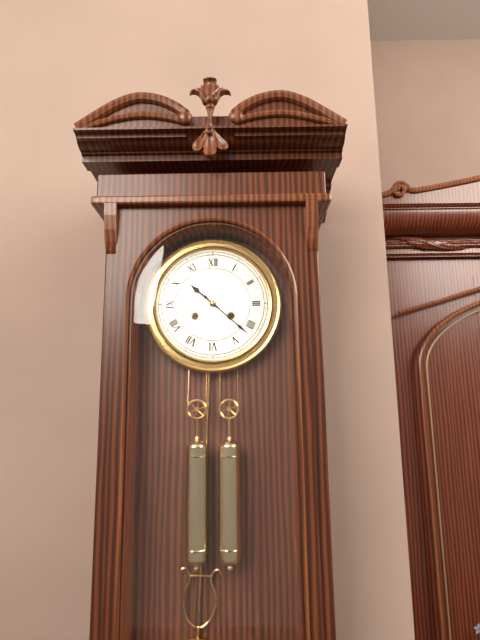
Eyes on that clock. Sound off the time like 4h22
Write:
10h22
